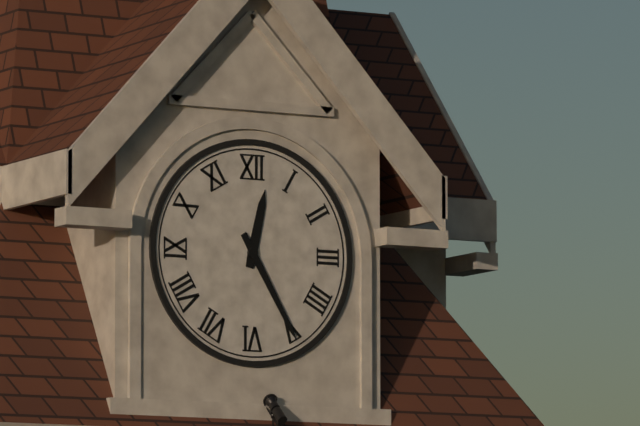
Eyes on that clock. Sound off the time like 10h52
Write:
12h25
